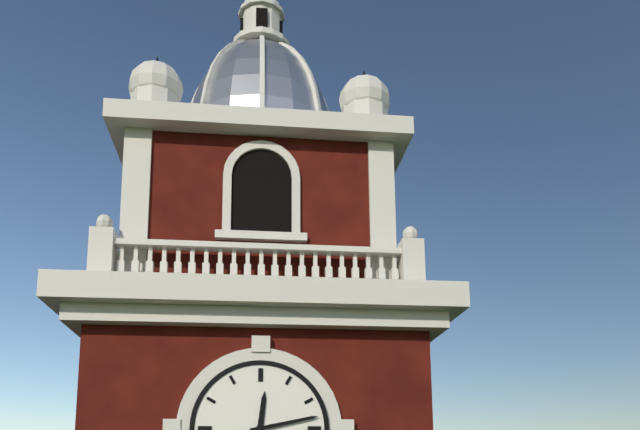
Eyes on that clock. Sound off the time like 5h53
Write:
12h13
